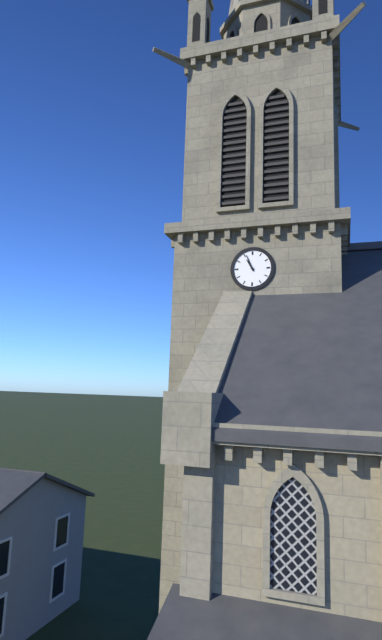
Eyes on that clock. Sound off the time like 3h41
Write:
10h56
